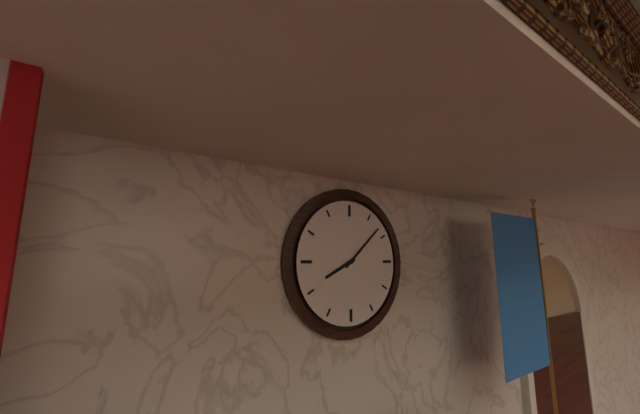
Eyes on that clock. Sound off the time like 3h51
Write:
8h08
